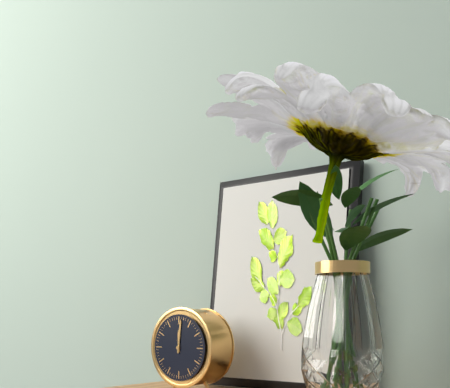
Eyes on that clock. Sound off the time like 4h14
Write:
12h01
